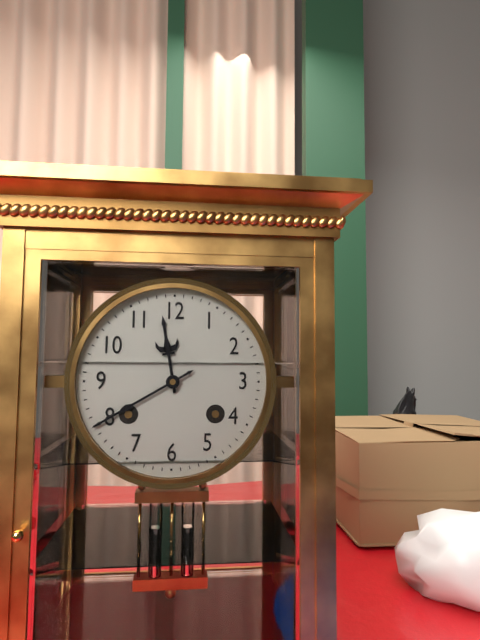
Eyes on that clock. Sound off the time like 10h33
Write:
11h40
